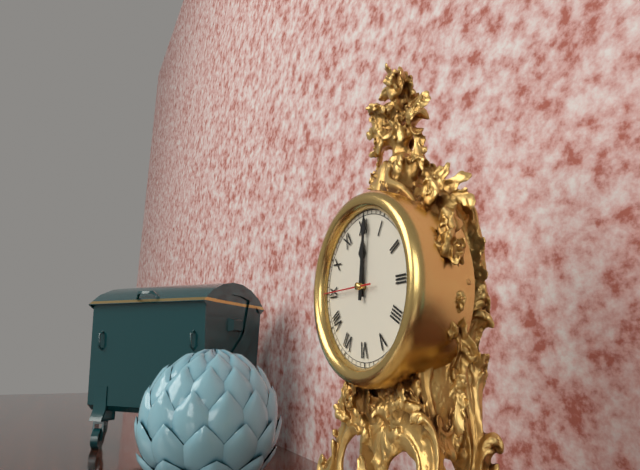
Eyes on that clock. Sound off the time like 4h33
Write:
12h01
